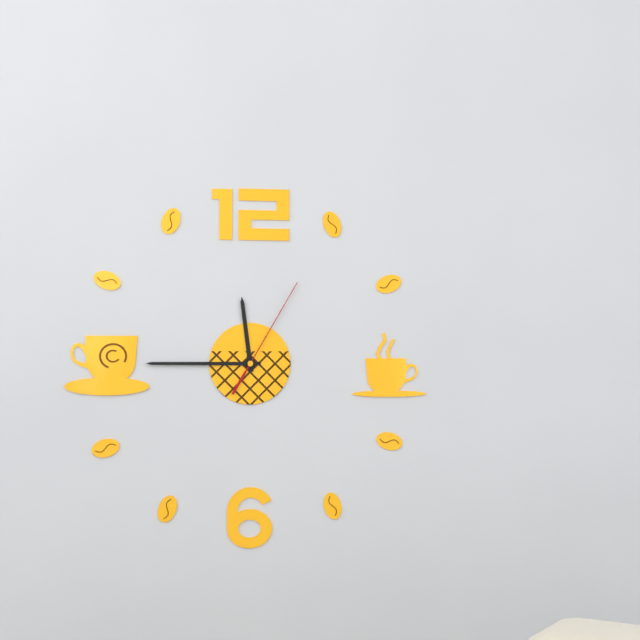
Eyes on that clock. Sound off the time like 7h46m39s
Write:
11h45m05s
